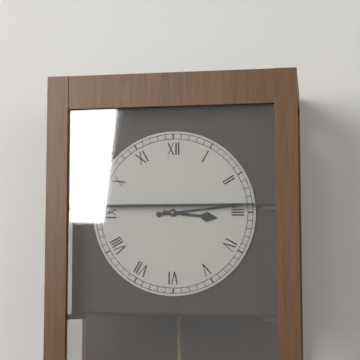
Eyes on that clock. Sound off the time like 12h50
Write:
3h14
